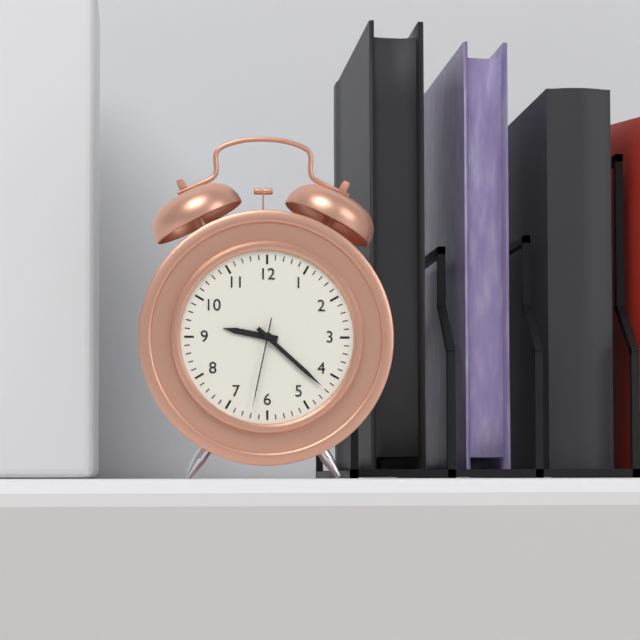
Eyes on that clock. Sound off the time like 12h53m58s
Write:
9h22m32s
